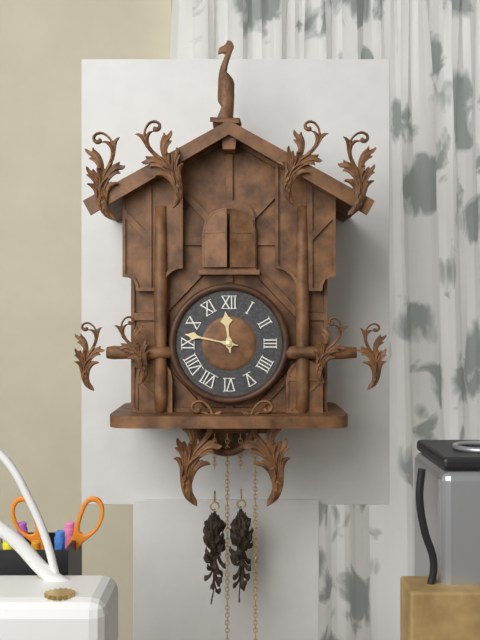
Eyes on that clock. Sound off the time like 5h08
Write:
11h47
